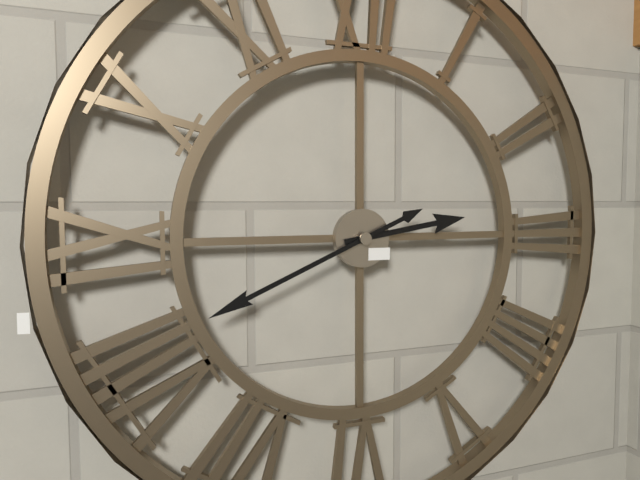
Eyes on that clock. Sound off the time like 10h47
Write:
2h41
